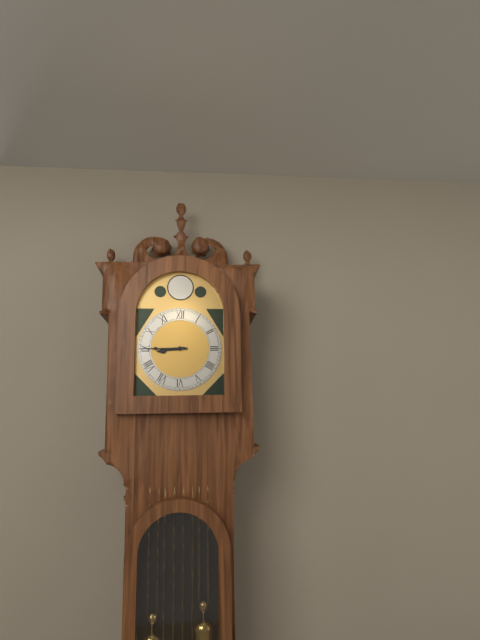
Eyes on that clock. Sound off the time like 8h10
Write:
8h45
